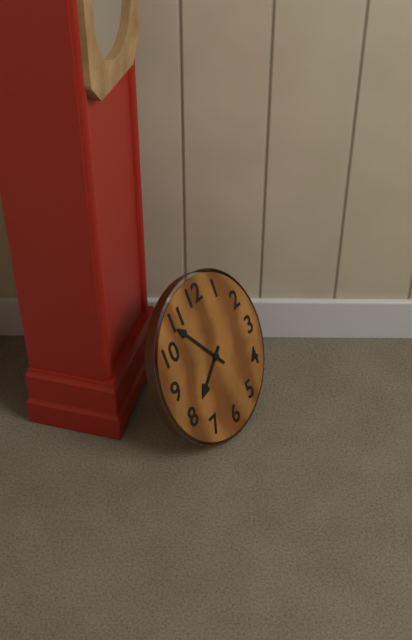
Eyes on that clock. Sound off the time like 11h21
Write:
7h54
